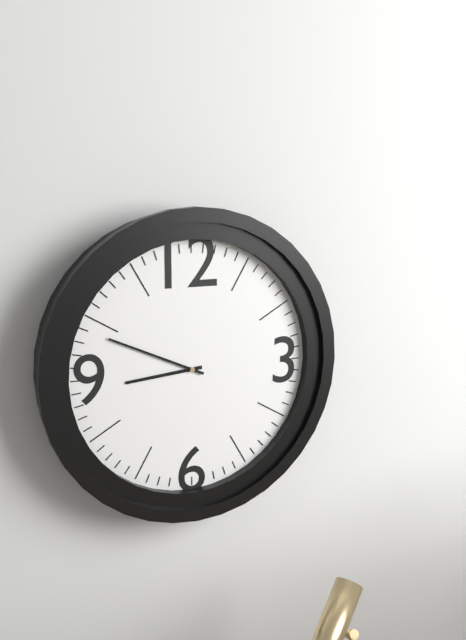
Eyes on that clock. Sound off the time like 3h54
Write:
8h49
